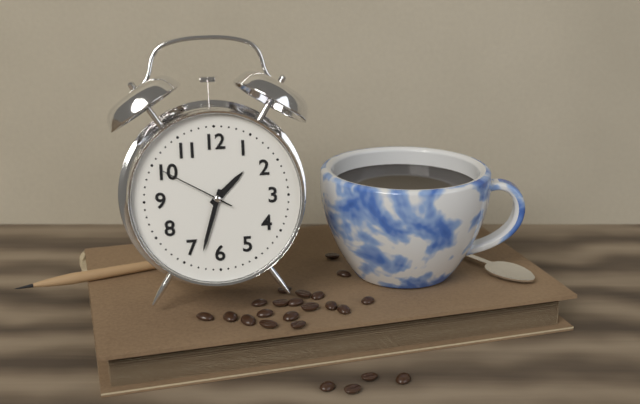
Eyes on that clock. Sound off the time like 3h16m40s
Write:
1h33m50s
